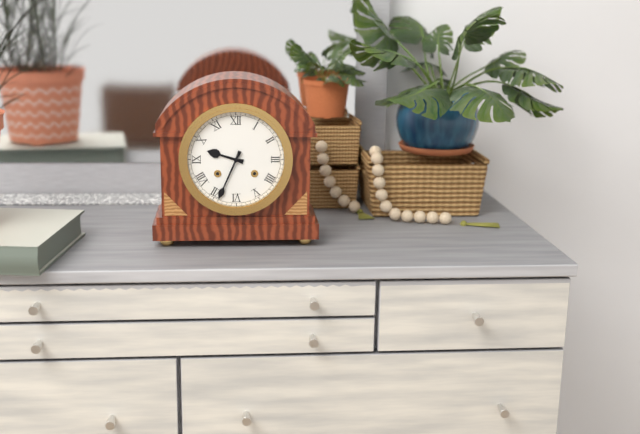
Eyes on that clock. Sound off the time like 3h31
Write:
9h34
